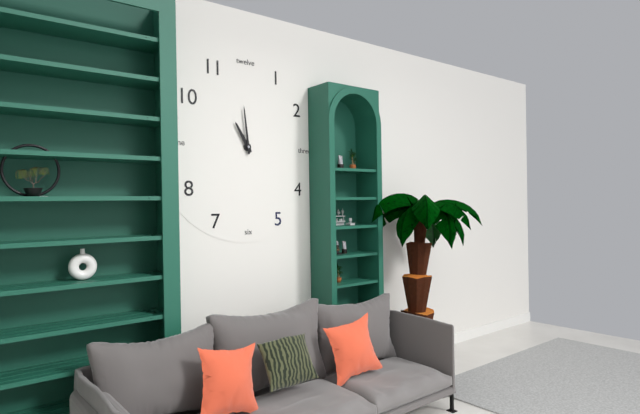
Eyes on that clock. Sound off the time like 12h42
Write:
10h59
